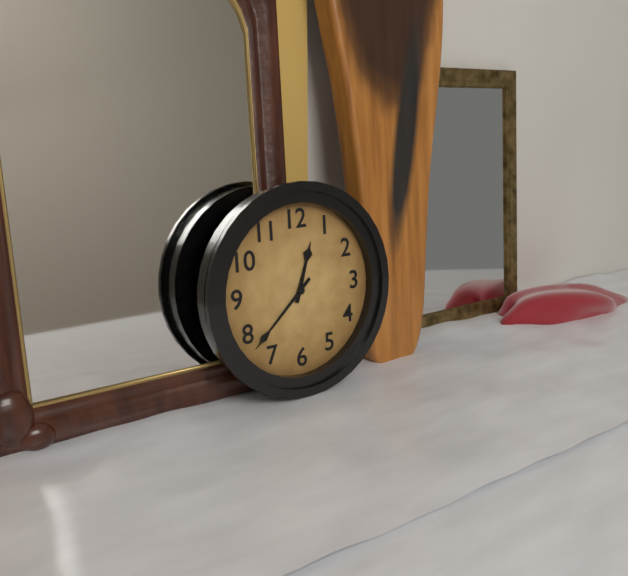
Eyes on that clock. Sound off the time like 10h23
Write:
12h38
